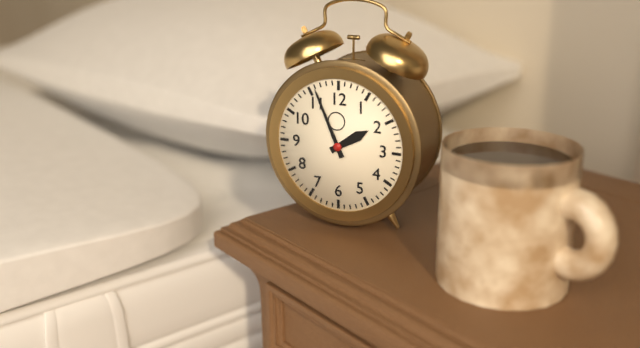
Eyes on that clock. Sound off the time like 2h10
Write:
1h56
